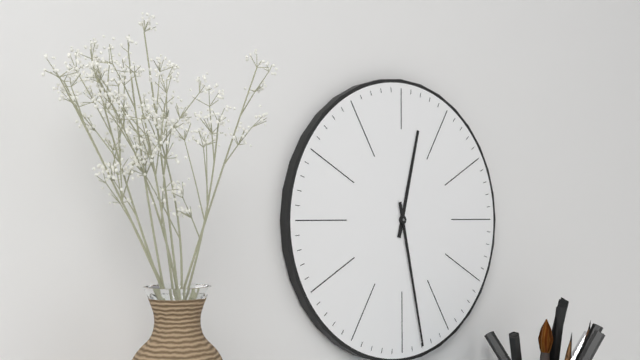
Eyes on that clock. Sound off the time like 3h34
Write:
12h28
